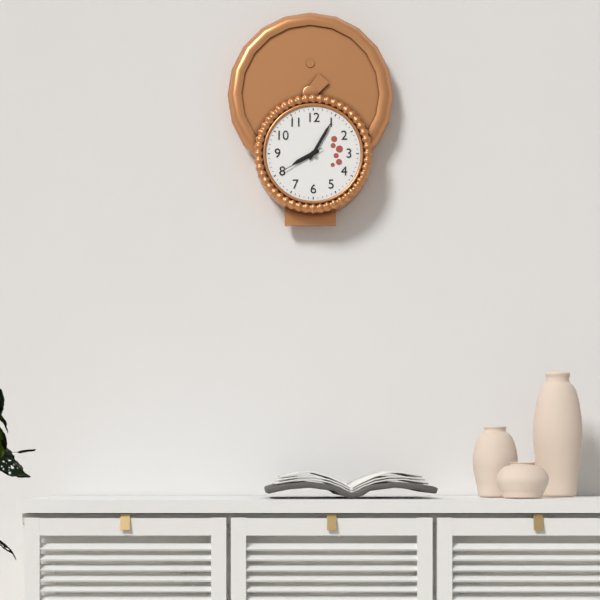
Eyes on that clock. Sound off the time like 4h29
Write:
8h05
